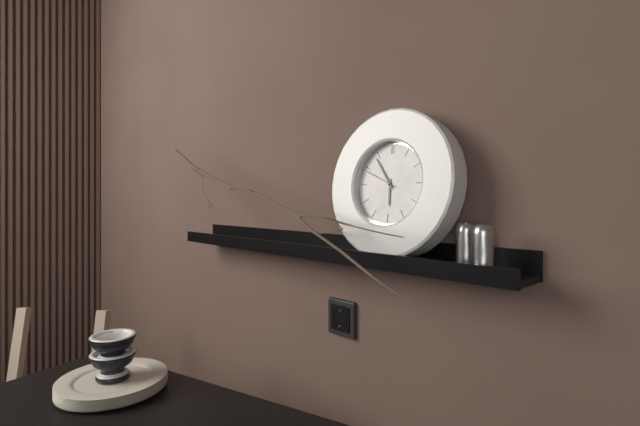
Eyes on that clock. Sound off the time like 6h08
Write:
5h54
